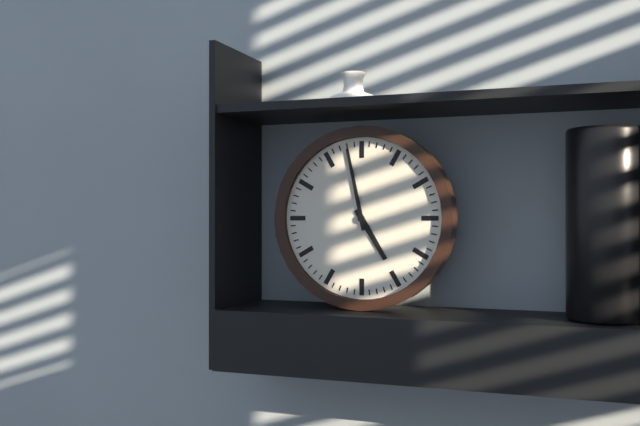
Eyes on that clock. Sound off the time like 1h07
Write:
4h58
